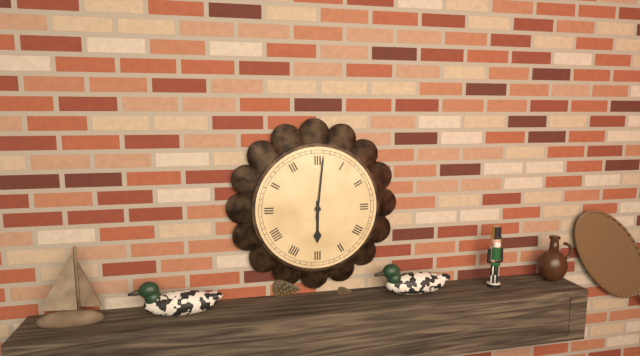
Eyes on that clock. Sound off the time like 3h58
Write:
6h01
